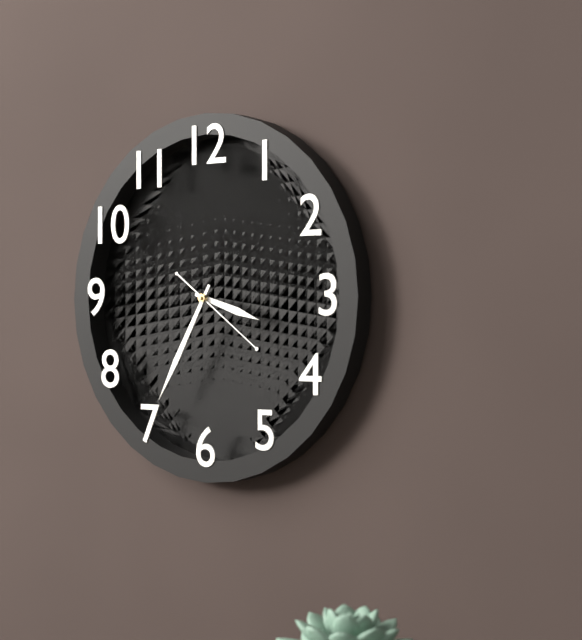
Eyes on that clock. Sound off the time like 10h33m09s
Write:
3h35m21s
